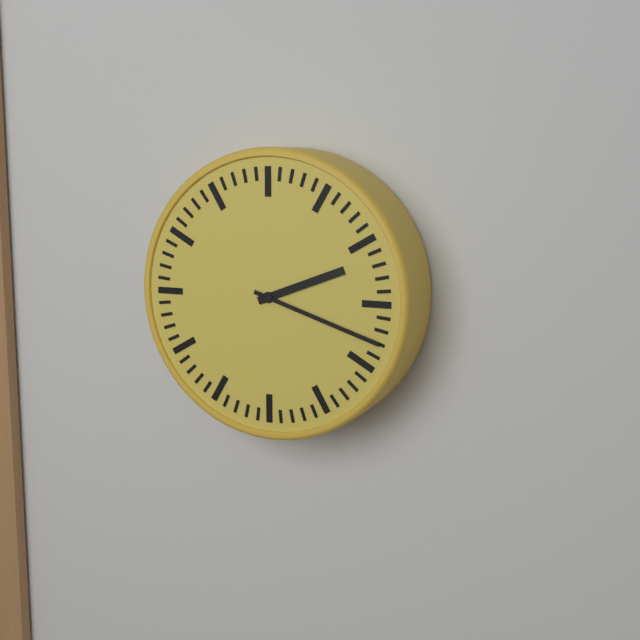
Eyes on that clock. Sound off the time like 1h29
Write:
2h18
